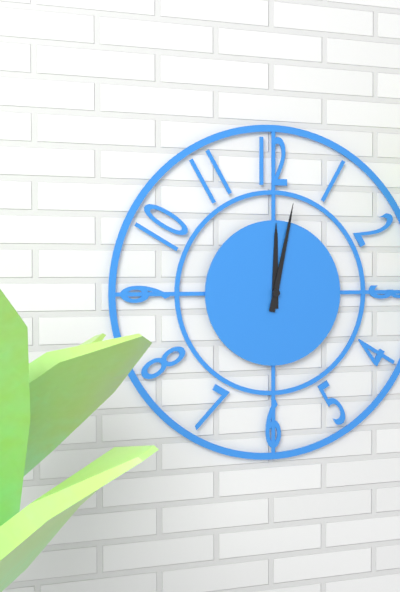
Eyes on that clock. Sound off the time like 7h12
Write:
12h02
